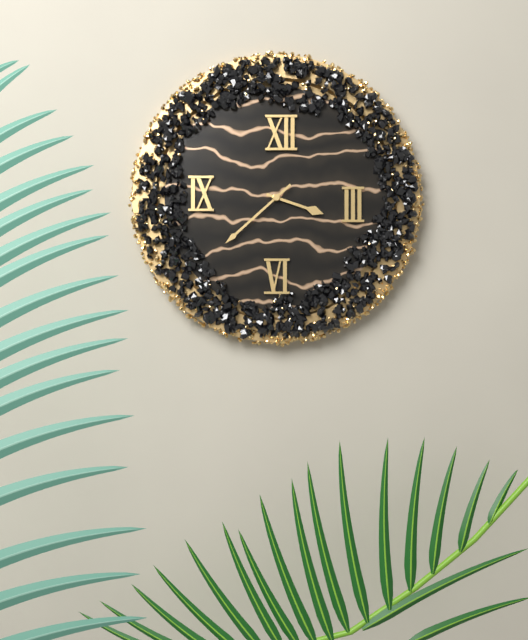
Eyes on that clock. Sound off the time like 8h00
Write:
3h38
